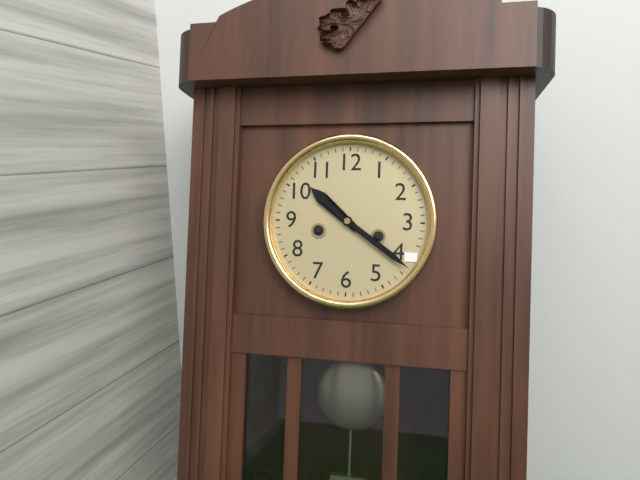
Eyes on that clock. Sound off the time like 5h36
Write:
10h21
